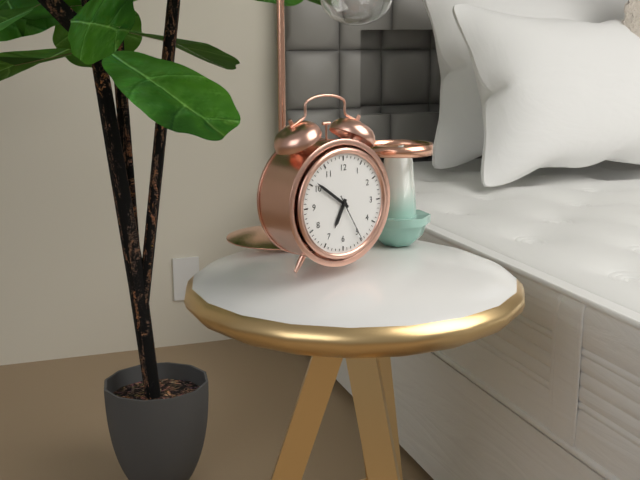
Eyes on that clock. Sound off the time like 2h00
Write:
6h51
